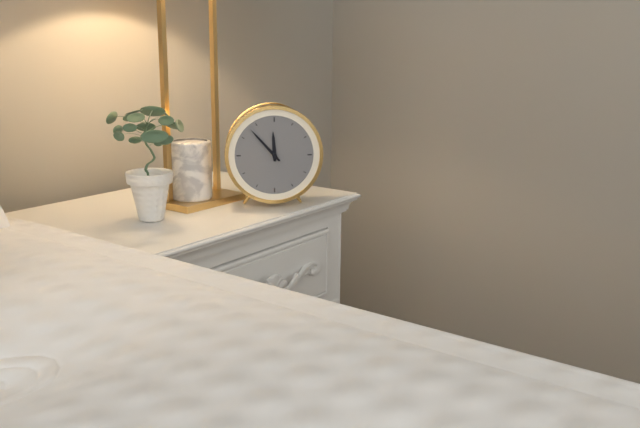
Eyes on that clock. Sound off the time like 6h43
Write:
11h53
